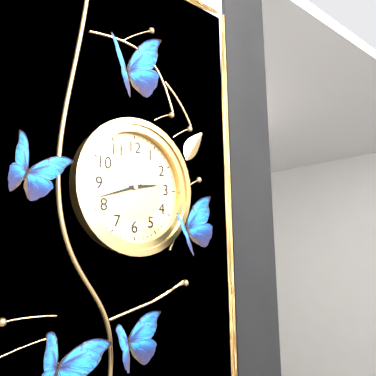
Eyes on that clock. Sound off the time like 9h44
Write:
2h42
